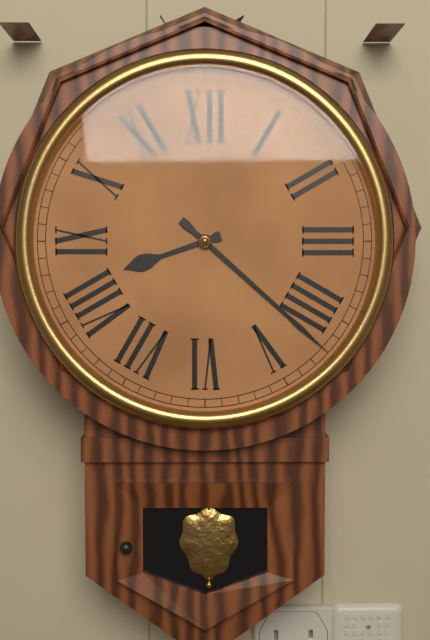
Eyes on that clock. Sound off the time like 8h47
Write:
8h22
